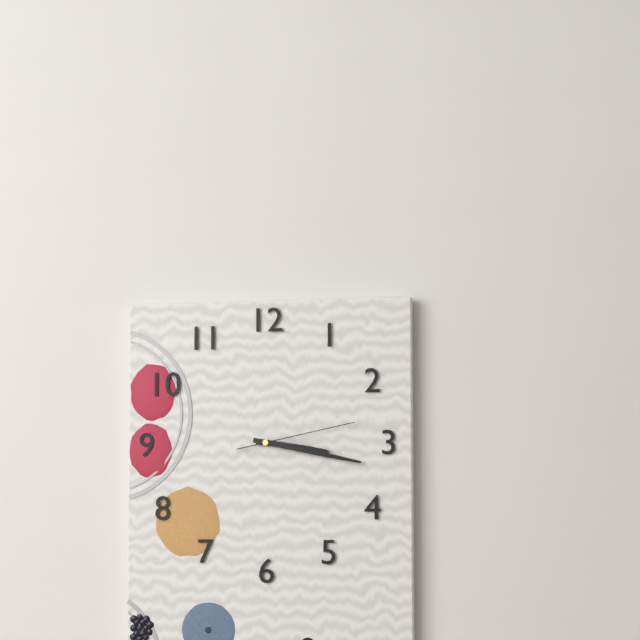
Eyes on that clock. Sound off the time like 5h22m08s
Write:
3h17m13s
